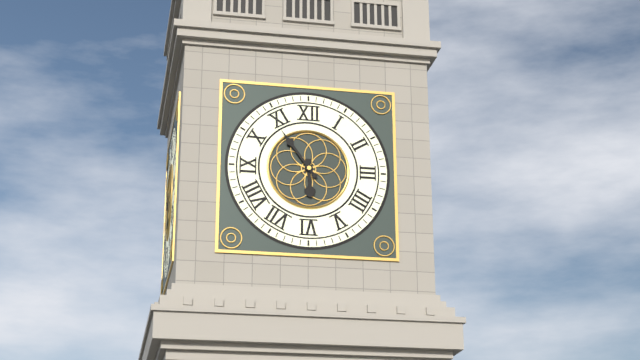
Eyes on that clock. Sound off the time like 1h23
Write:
5h54
